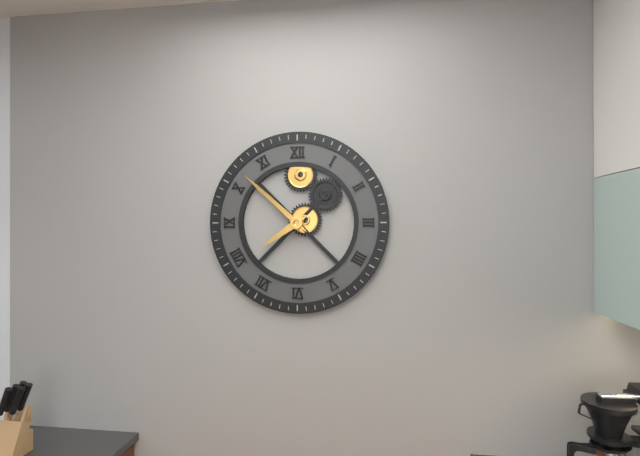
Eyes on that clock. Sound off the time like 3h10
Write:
7h52
